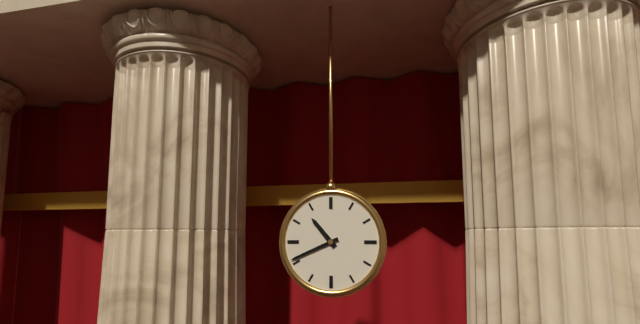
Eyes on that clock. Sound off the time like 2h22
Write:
10h41
